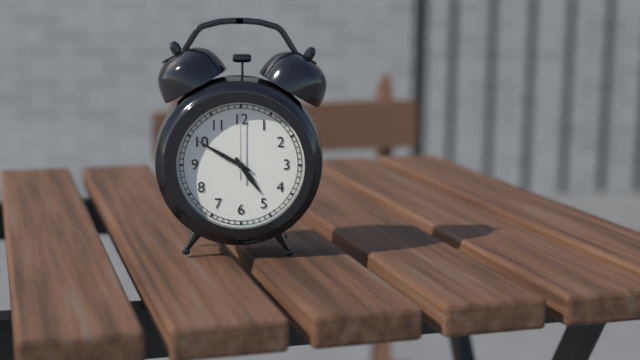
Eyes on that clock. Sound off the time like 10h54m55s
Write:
4h50m00s
